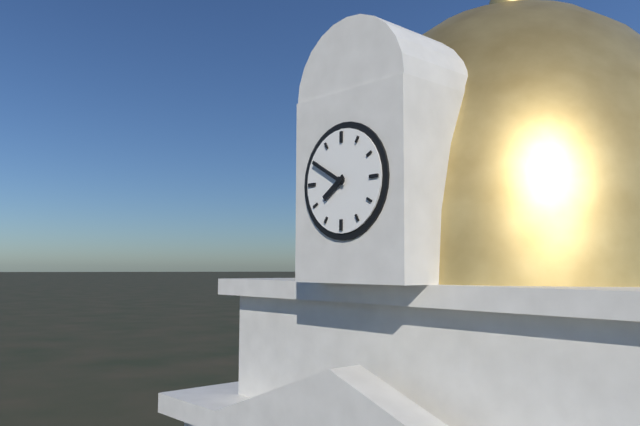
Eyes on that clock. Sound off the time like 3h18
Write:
7h50
